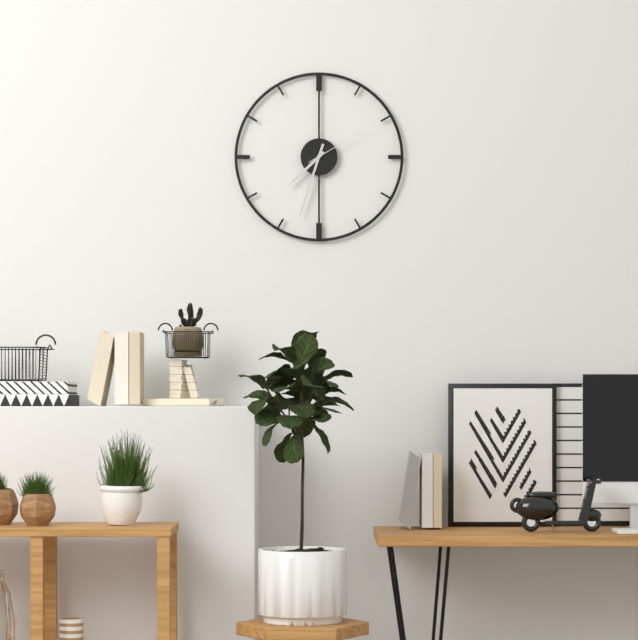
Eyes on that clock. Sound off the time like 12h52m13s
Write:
7h33m10s
